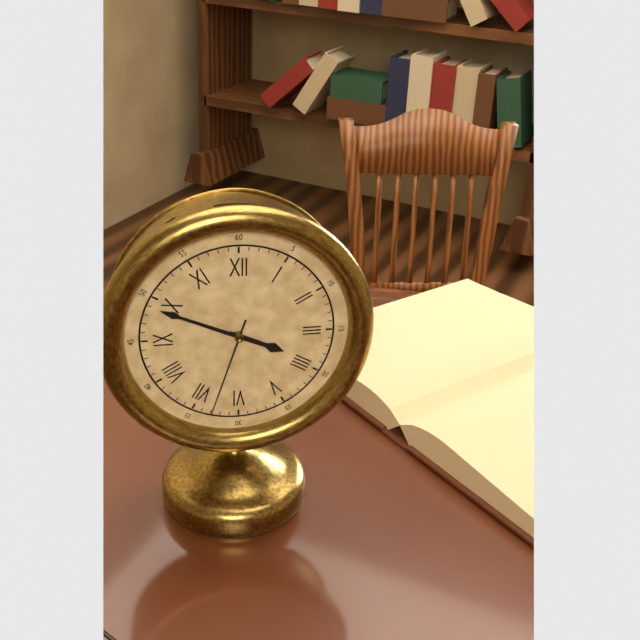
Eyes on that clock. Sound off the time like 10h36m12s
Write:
3h49m33s
